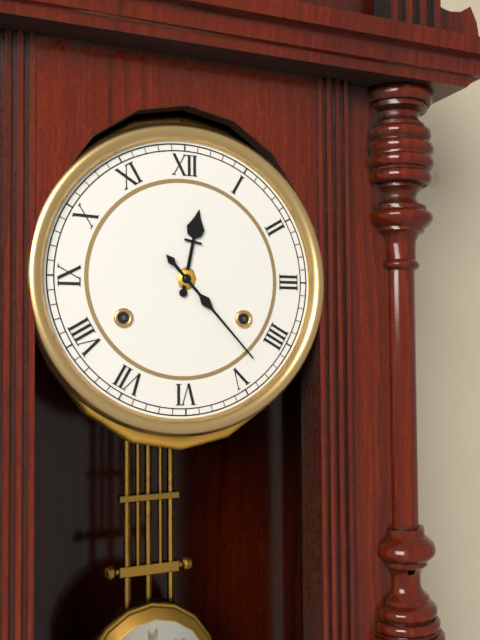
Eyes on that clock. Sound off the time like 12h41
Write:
12h23
